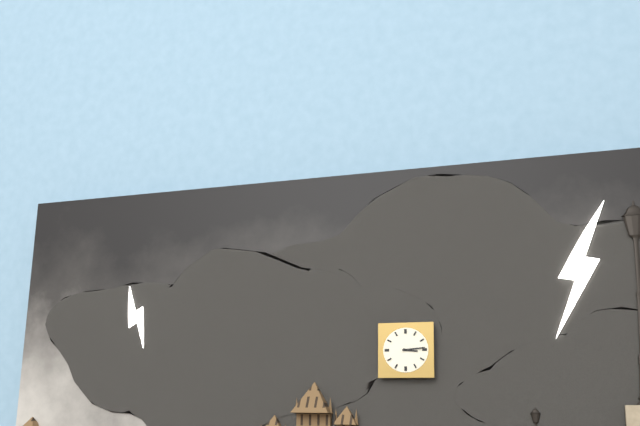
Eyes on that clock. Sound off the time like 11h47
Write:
3h14
